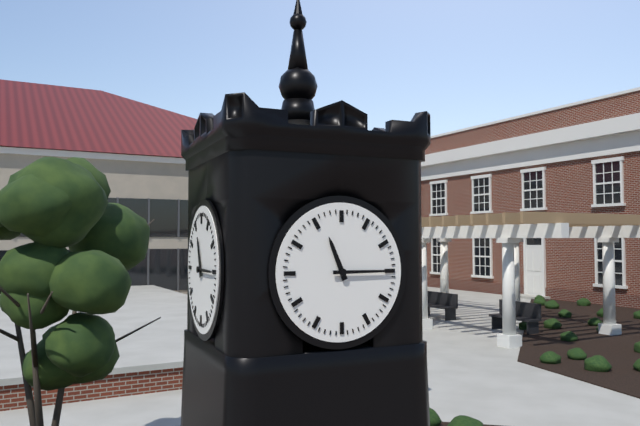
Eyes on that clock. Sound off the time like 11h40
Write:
11h15
